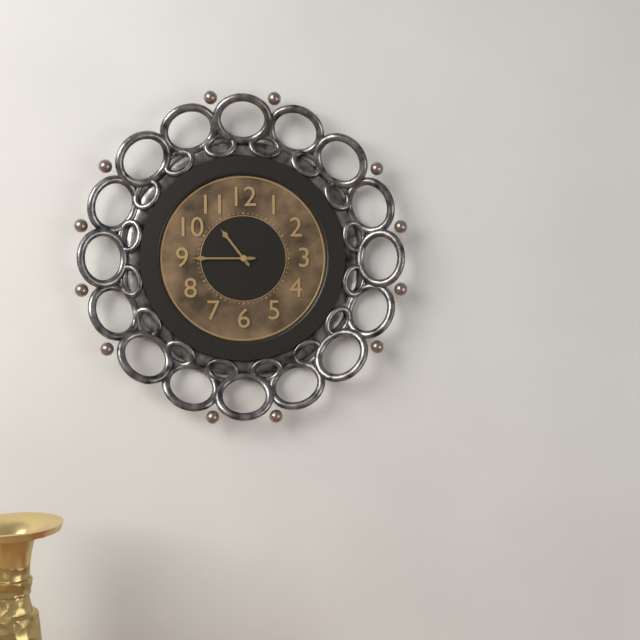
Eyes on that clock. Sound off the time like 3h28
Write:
10h45
